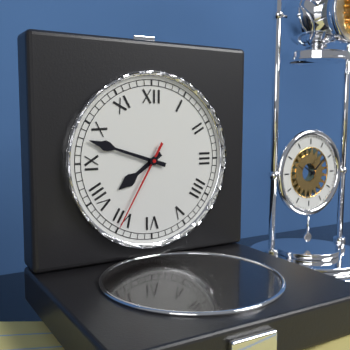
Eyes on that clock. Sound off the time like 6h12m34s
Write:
7h48m35s
